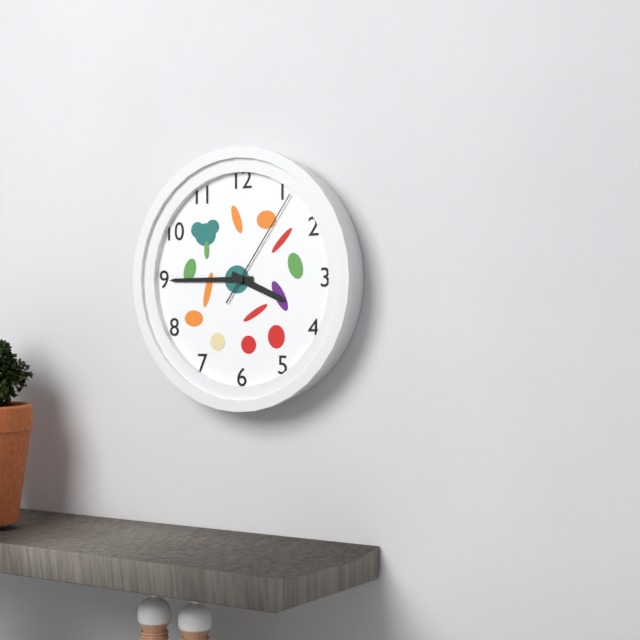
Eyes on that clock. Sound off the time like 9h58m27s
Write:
3h45m06s
